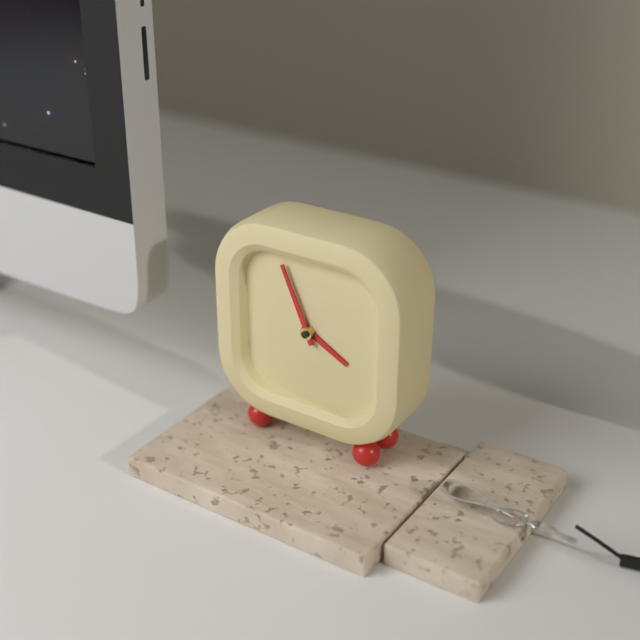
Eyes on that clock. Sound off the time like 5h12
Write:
3h56
